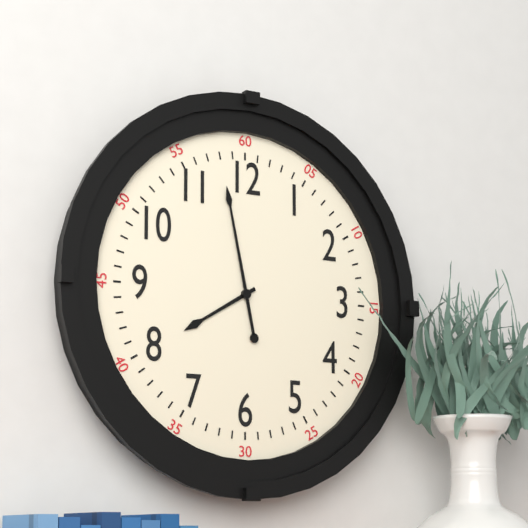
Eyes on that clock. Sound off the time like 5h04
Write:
7h58
